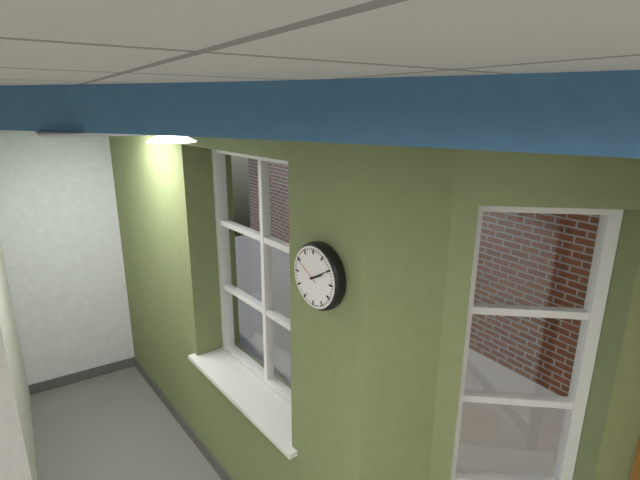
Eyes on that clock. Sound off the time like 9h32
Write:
2h10
